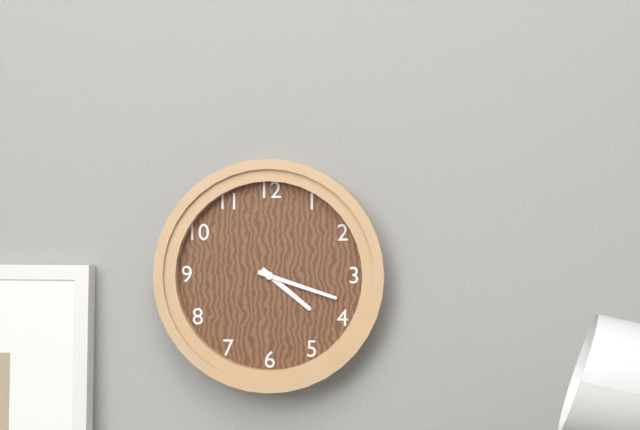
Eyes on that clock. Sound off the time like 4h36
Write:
4h18
